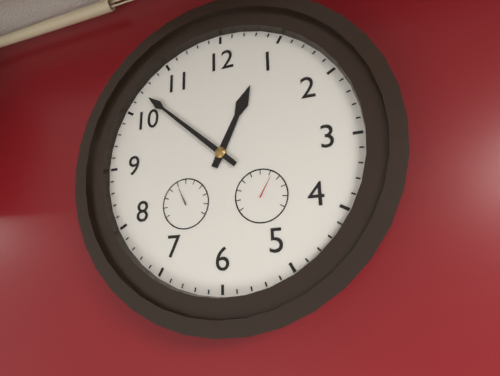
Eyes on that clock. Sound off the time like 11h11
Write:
12h52
